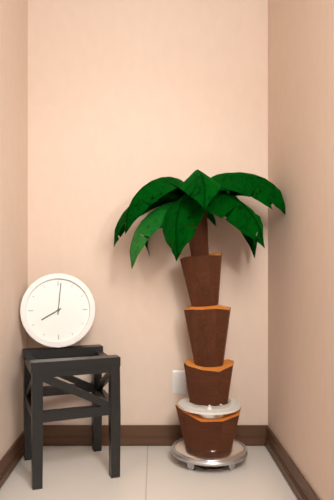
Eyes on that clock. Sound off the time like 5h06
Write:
8h01
